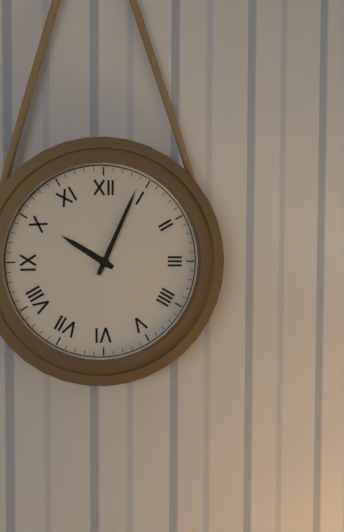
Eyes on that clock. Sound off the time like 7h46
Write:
10h04
